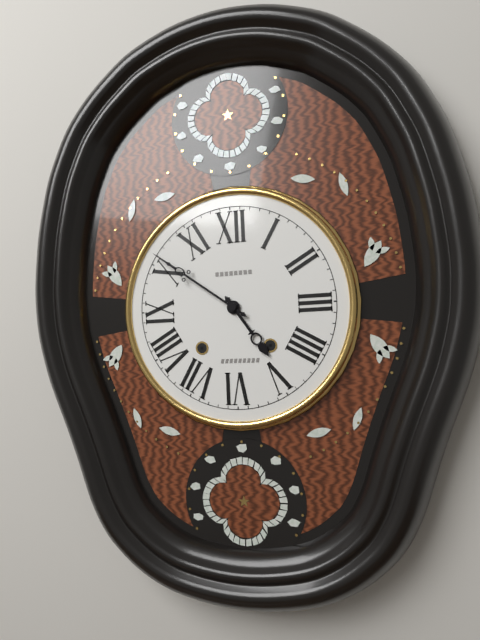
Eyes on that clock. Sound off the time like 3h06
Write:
4h51
